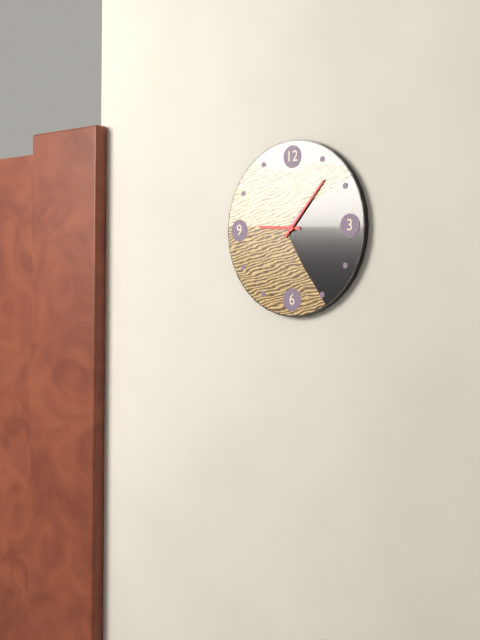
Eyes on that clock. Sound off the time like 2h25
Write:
9h07
